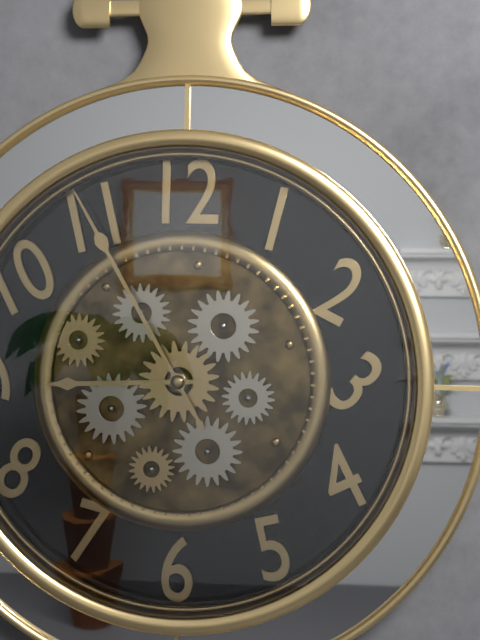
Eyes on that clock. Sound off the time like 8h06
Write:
8h55
